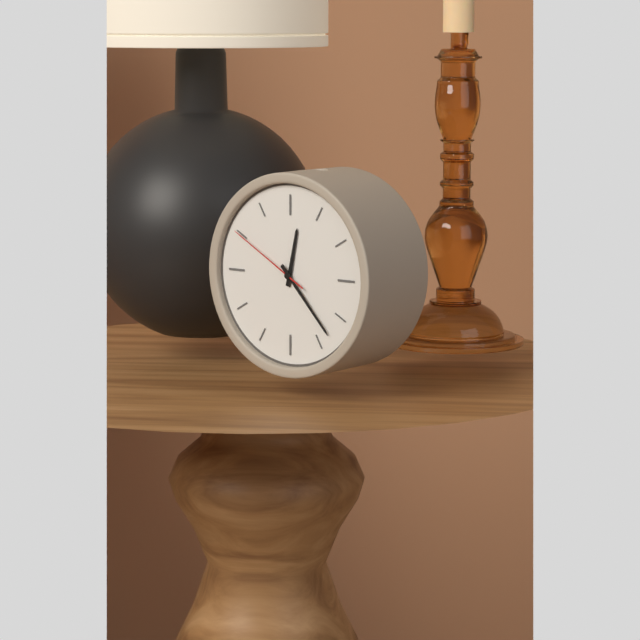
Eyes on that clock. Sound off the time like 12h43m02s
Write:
12h23m50s
